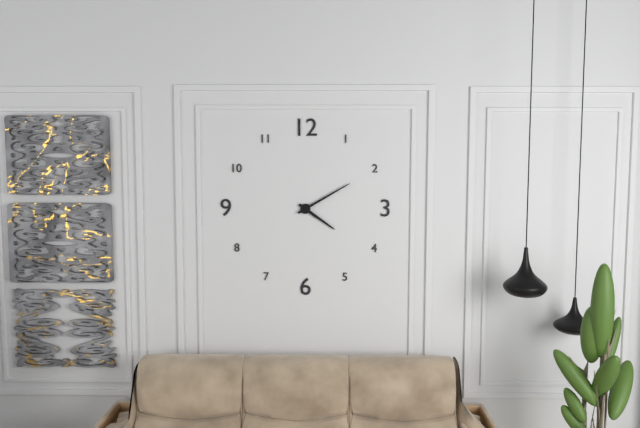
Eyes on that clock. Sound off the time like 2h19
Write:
4h10
